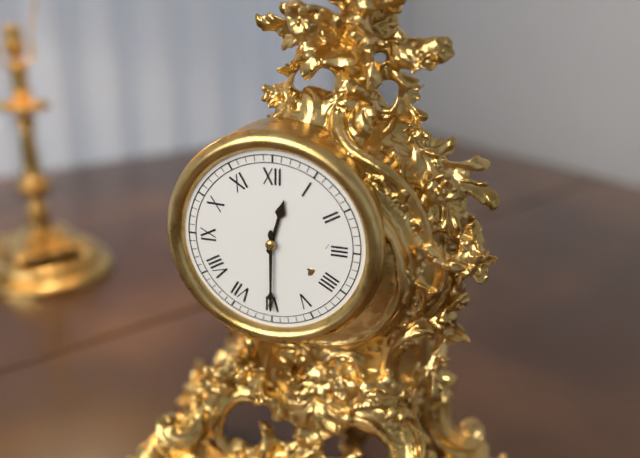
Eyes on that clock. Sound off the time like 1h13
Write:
12h30
